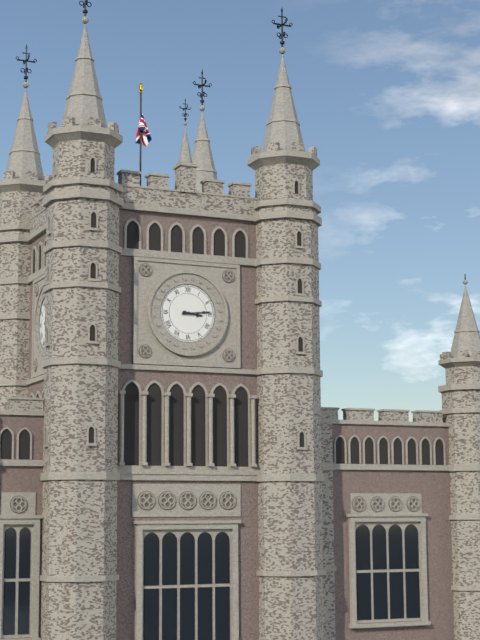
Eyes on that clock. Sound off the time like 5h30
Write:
3h14
